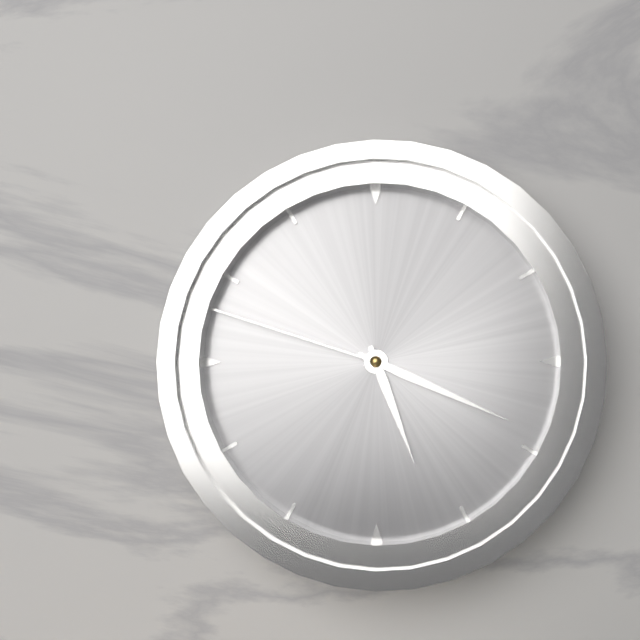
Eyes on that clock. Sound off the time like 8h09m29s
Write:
5h19m48s
